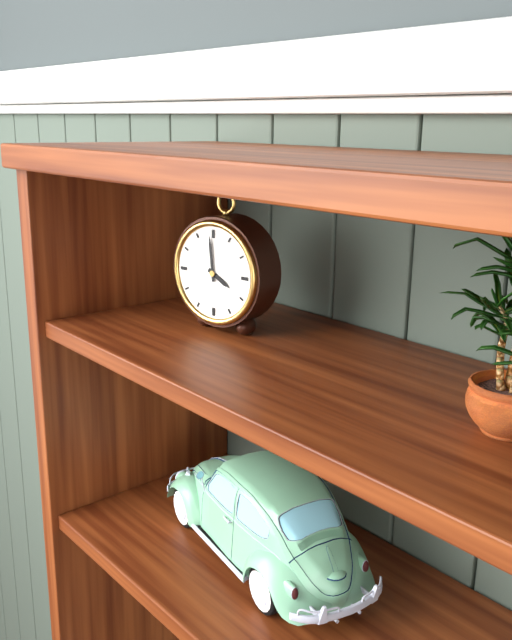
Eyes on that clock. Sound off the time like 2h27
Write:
3h59
